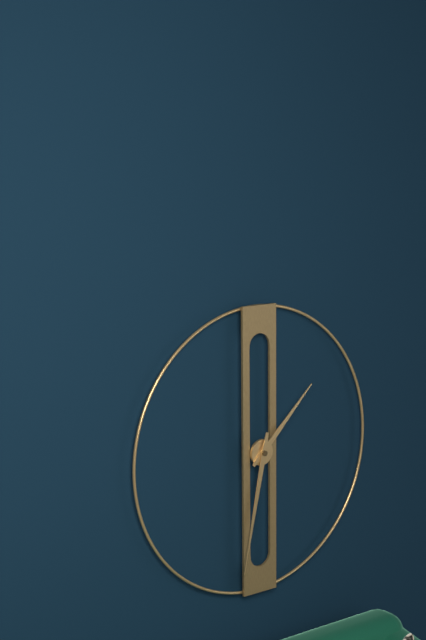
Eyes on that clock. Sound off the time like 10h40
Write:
1h32
